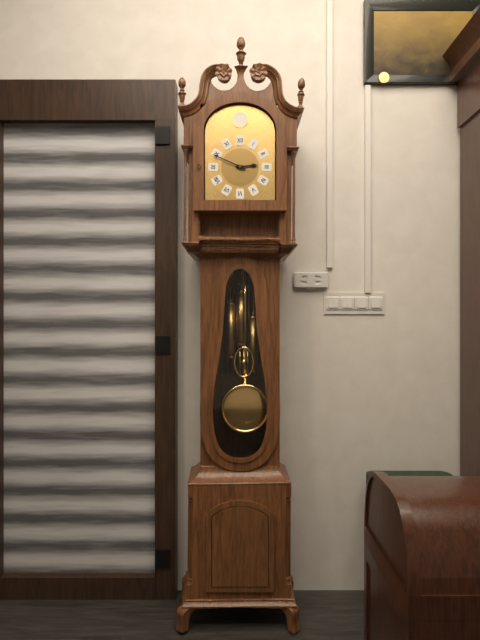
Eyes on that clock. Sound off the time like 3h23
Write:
2h49
